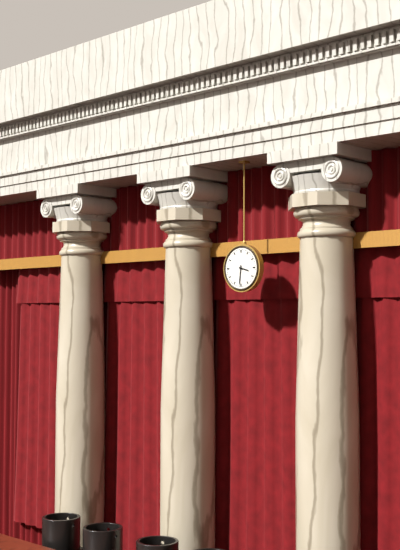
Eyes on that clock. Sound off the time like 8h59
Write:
3h31
